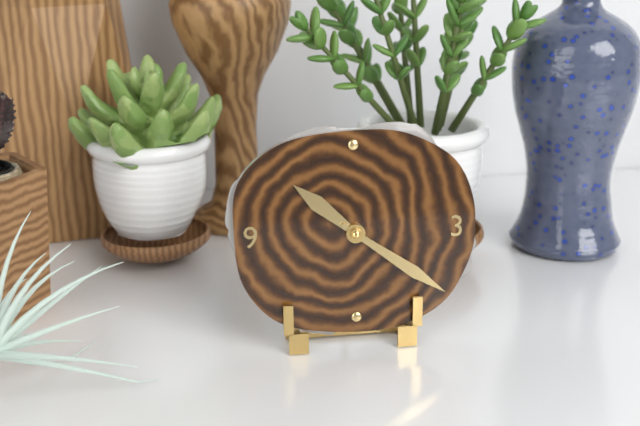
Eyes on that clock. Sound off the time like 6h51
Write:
10h21
